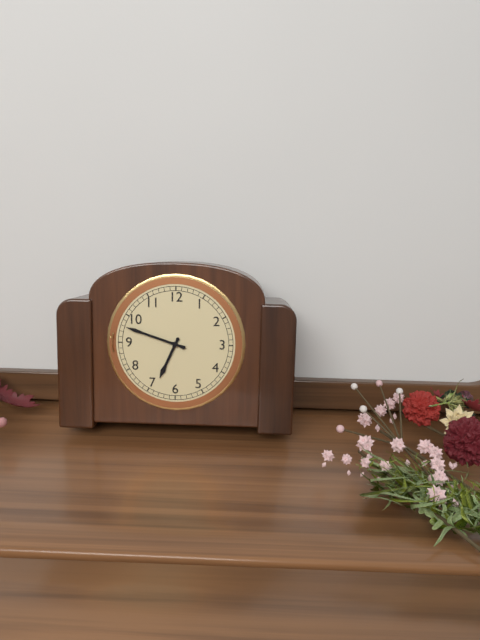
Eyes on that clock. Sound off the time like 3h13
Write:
6h48
